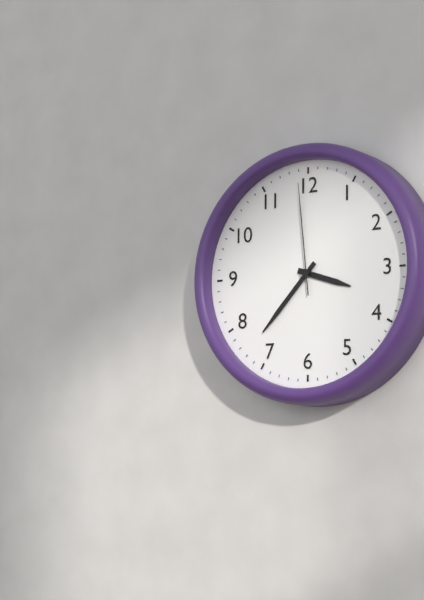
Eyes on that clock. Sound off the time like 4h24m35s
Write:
3h37m59s
